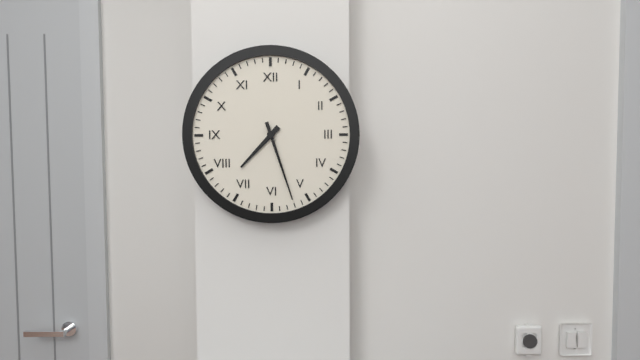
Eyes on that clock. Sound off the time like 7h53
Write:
7h27
